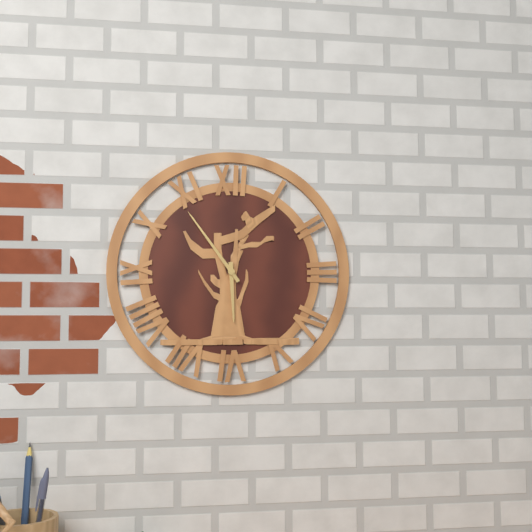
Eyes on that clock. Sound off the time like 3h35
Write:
5h54
